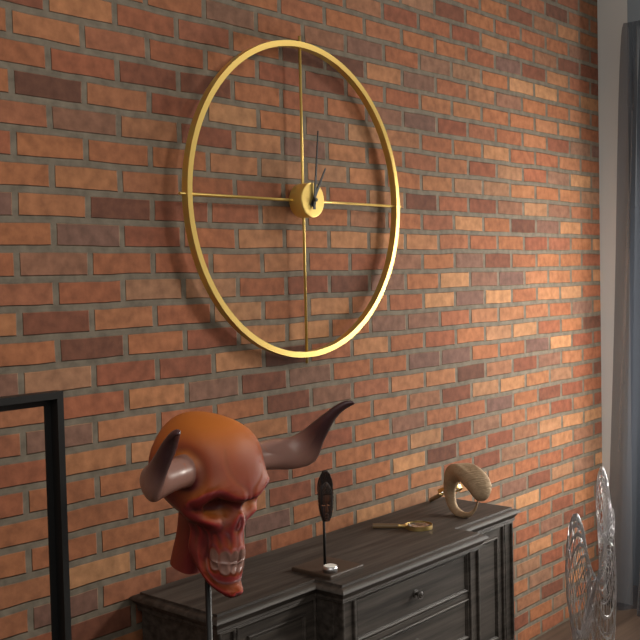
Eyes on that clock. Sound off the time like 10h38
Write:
1h01
